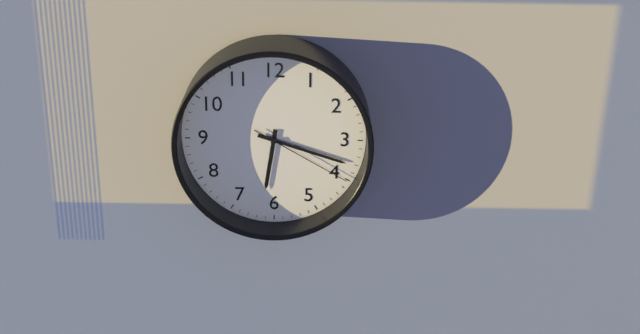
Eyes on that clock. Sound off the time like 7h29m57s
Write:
6h18m20s
